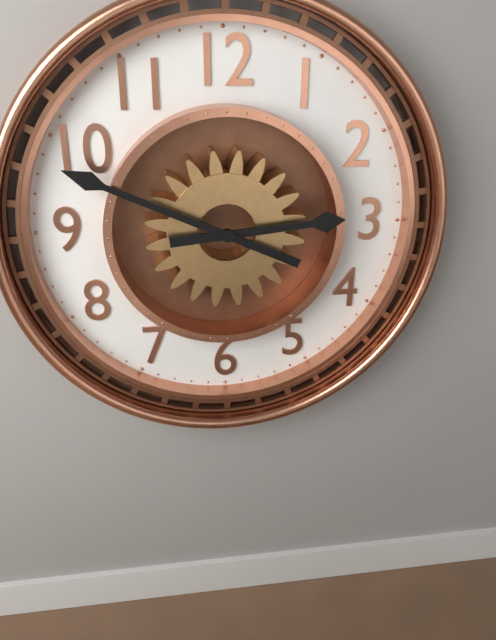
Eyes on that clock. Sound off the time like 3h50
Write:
2h49
